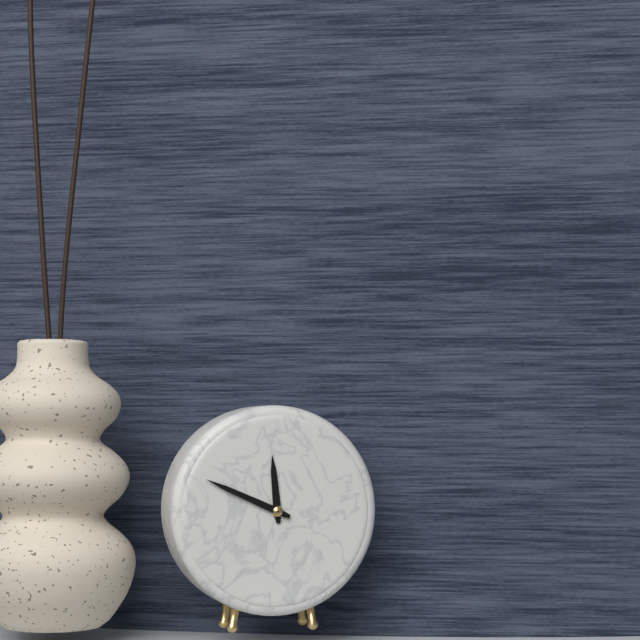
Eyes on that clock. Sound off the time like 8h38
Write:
11h49
